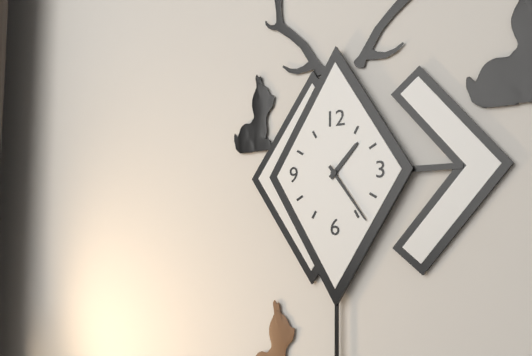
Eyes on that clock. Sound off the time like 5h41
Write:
1h24
